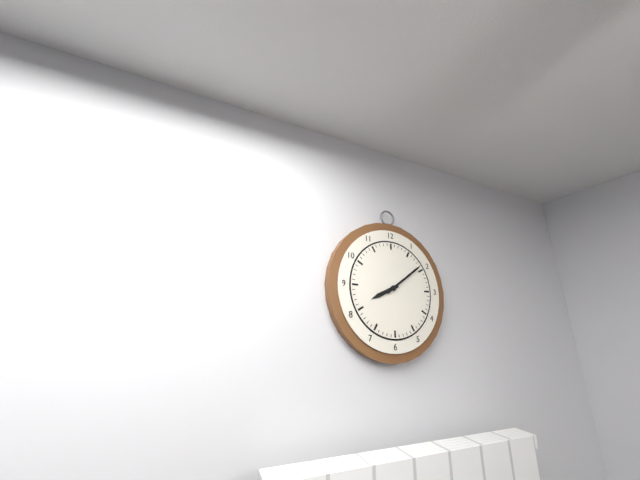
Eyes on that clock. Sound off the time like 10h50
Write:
8h09
